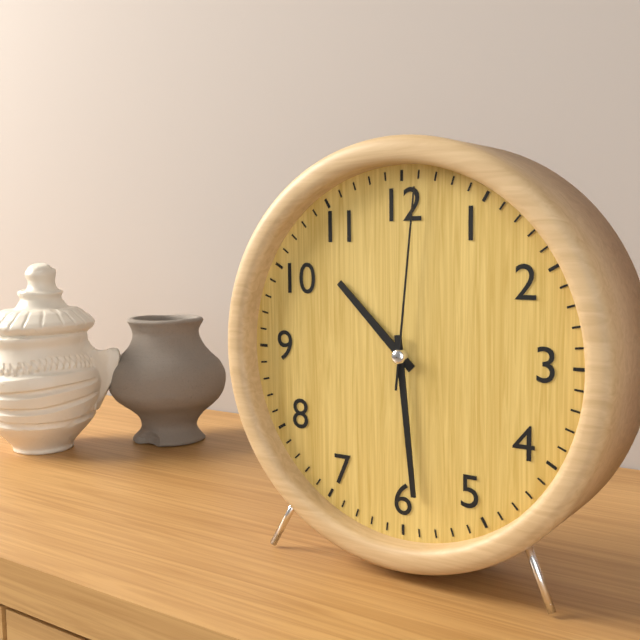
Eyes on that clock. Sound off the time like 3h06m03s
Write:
10h29m01s
